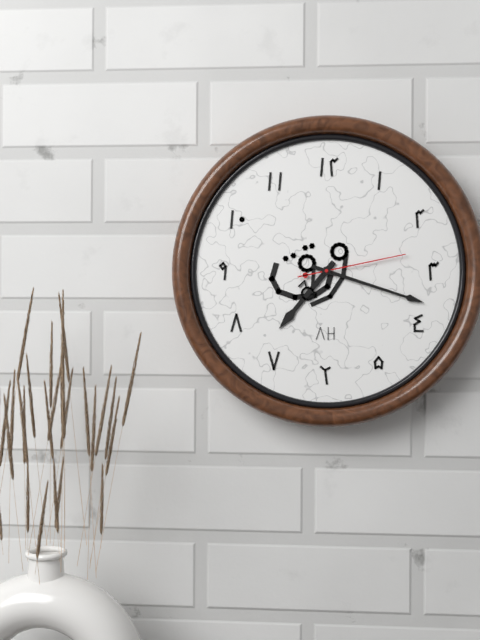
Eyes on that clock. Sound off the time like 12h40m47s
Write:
7h18m13s
